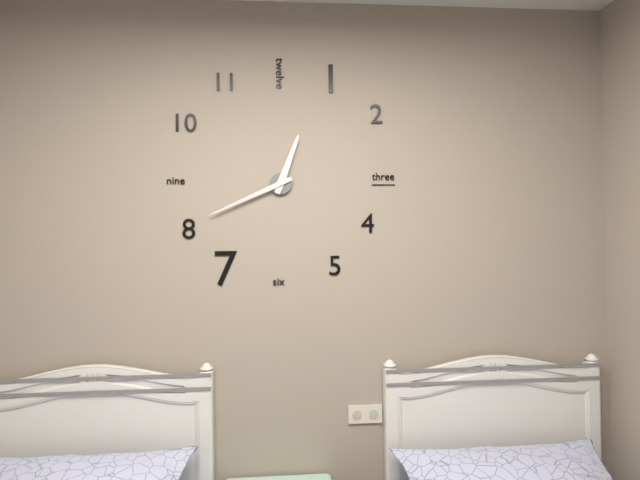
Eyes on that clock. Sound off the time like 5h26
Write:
12h41
